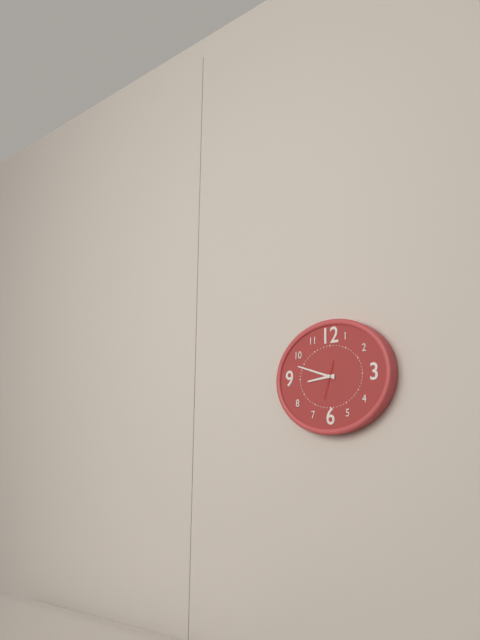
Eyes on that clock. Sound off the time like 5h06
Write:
8h48
